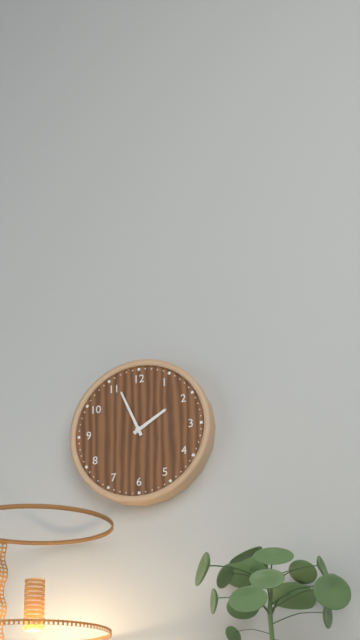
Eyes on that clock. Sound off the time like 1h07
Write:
1h56
